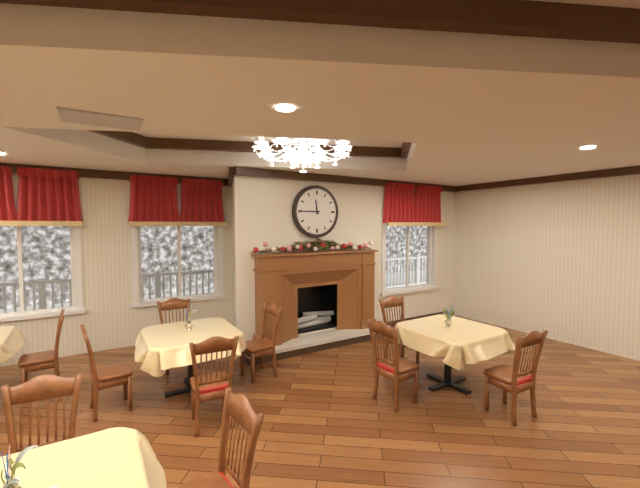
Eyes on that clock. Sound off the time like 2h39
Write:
11h45
